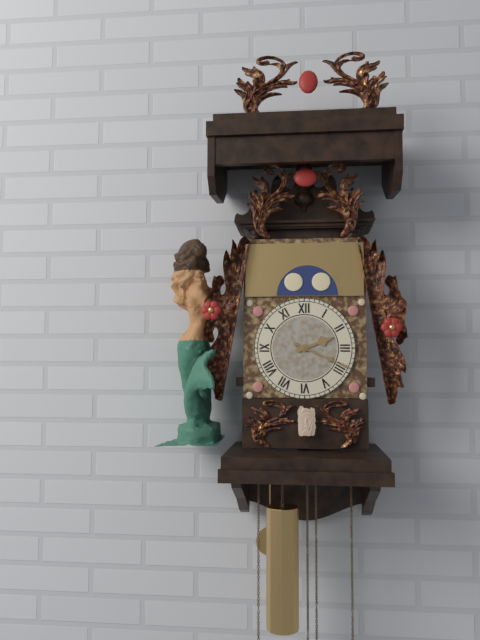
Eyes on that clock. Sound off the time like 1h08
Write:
2h19
